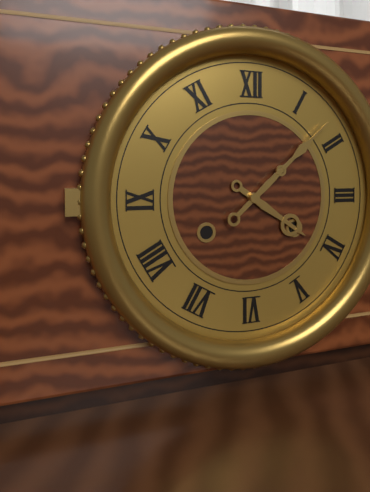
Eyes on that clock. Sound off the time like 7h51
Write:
4h08
